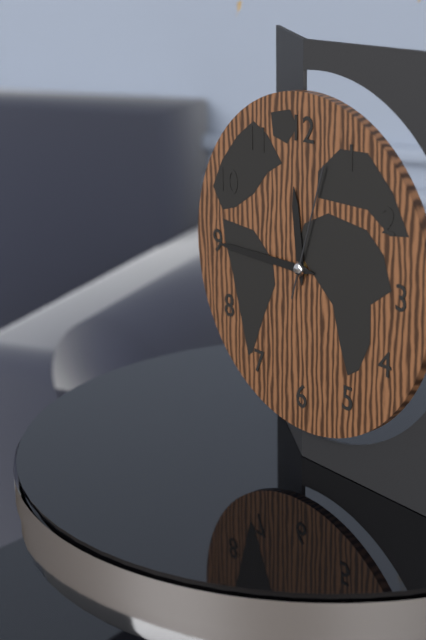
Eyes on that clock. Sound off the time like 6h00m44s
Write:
11h45m03s
